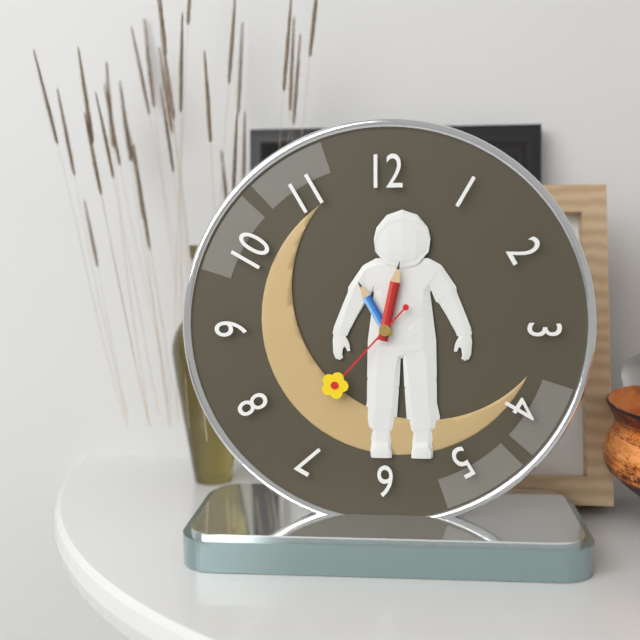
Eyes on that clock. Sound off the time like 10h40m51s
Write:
11h02m37s
